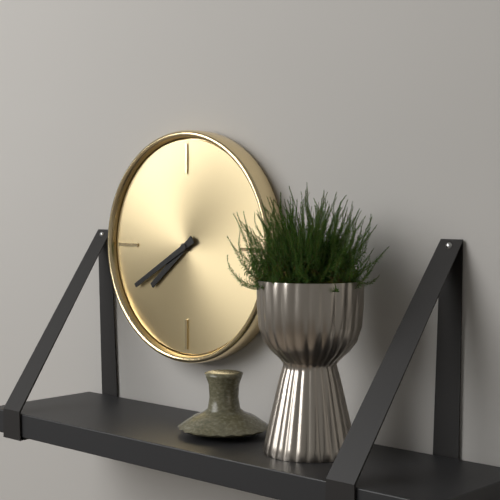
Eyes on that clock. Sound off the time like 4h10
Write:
7h40
